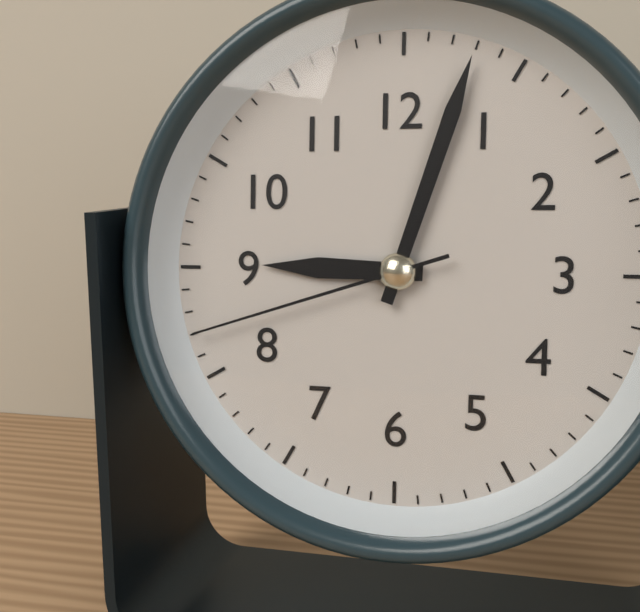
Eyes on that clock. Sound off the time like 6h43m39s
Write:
9h03m42s
